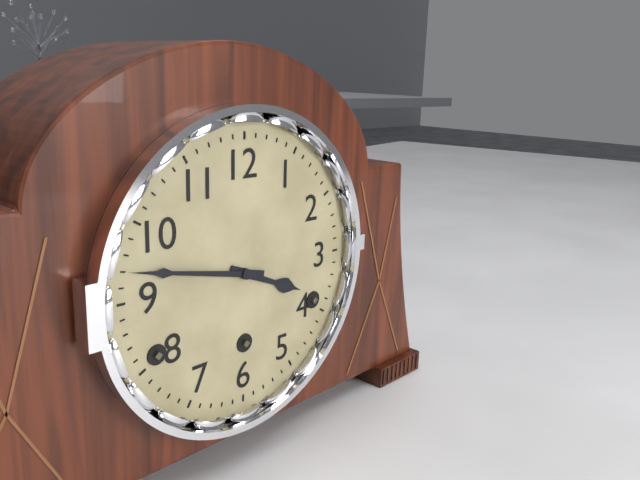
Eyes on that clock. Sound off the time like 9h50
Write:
3h47
